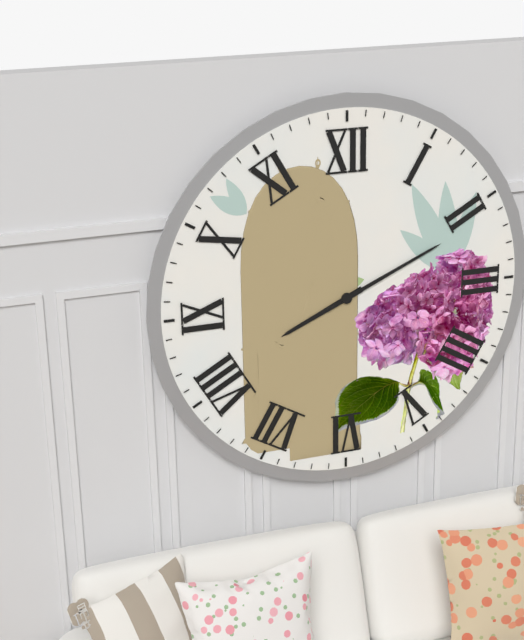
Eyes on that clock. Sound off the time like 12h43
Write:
8h11
